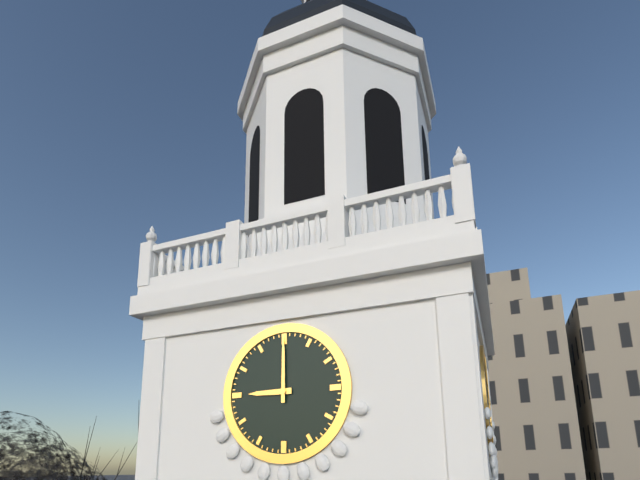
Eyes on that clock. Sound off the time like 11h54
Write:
9h00
